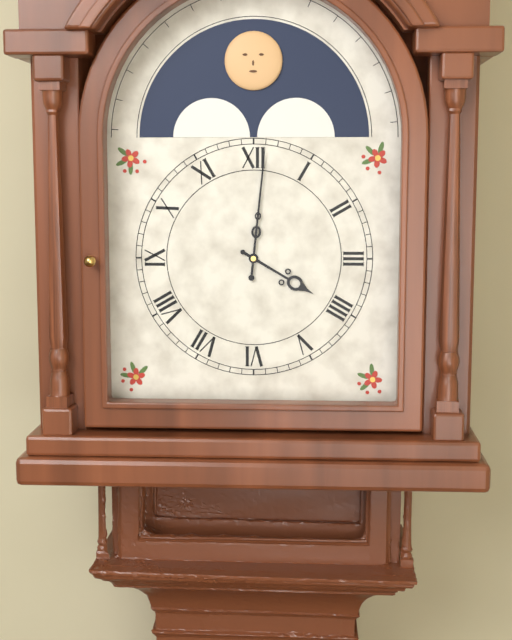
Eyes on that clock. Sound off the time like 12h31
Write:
4h01
